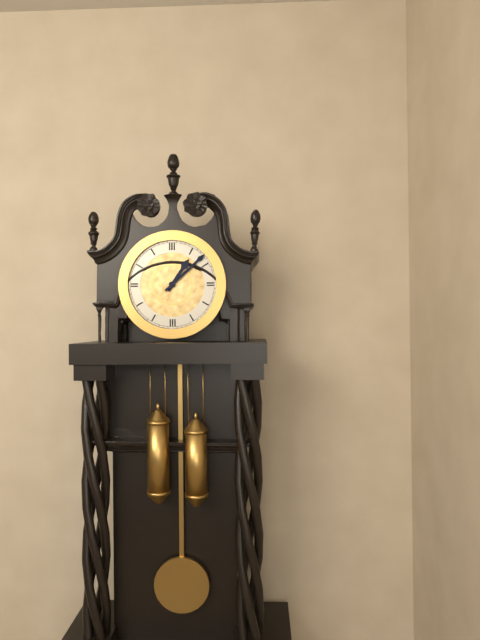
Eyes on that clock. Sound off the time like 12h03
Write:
1h08
